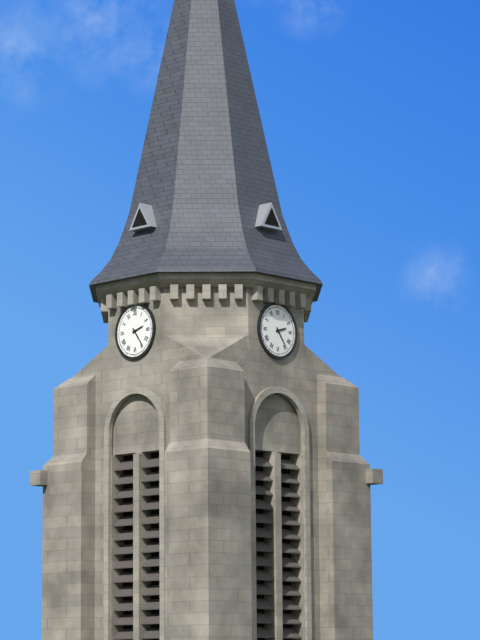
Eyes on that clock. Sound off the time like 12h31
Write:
2h24
